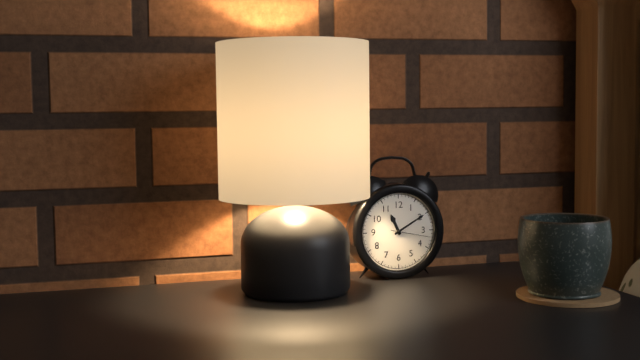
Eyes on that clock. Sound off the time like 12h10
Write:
11h10
